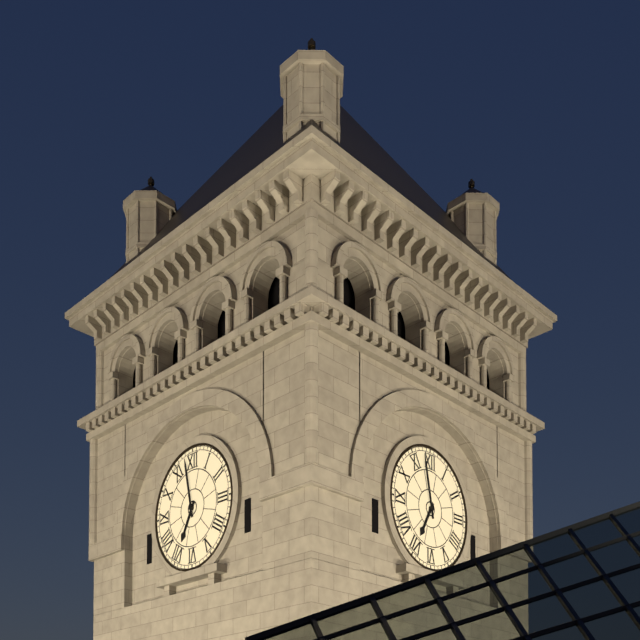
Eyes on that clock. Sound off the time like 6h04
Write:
6h58
